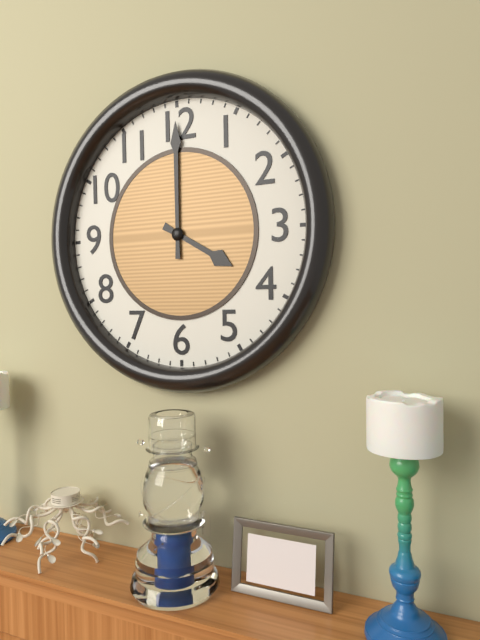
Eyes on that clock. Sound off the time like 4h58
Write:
4h00
